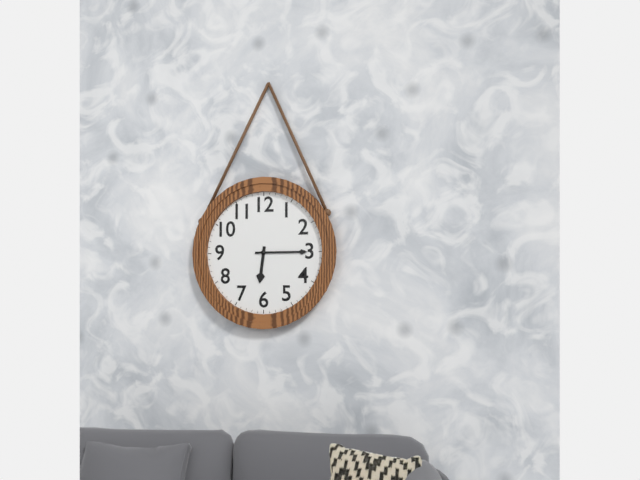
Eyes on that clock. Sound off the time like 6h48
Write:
6h15
